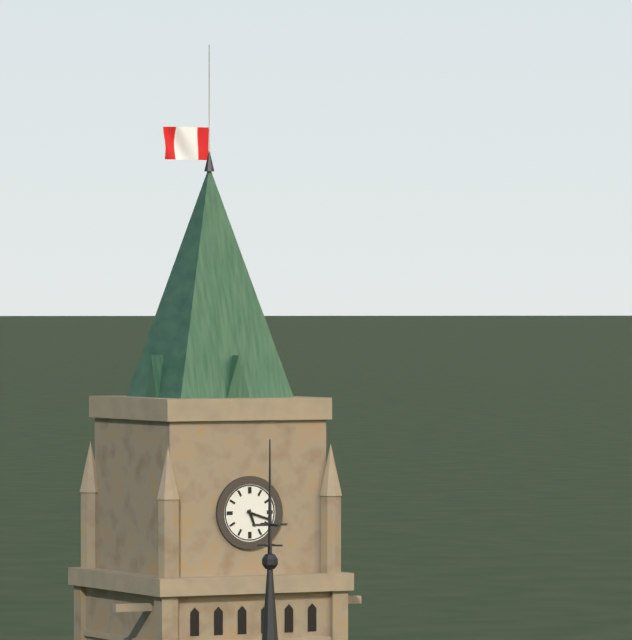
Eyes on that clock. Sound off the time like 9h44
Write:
5h18
